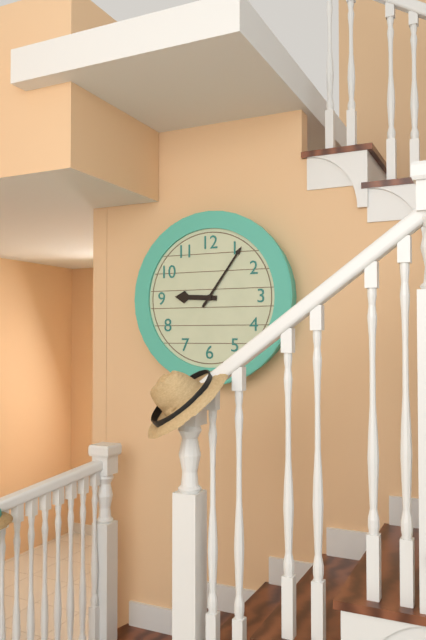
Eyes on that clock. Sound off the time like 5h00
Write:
9h06
